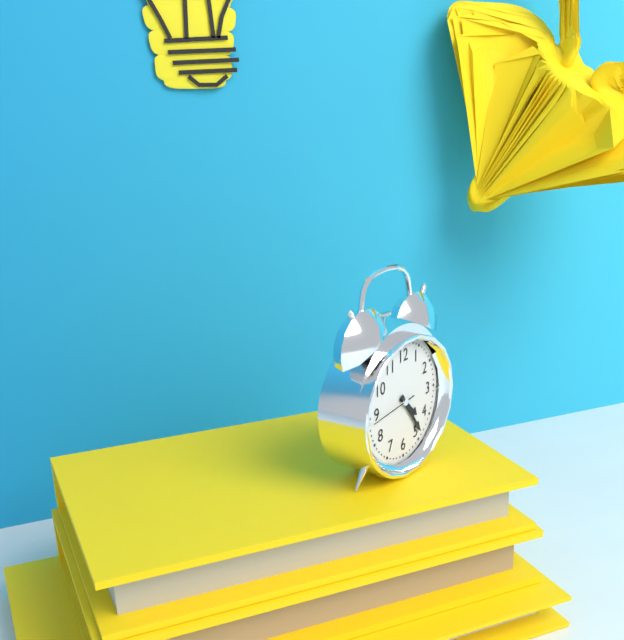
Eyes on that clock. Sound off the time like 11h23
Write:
4h24
